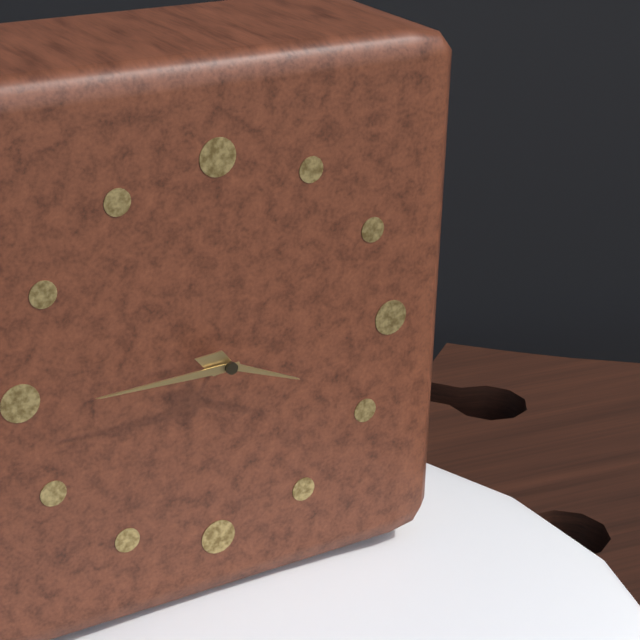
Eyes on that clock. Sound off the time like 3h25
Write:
3h45
